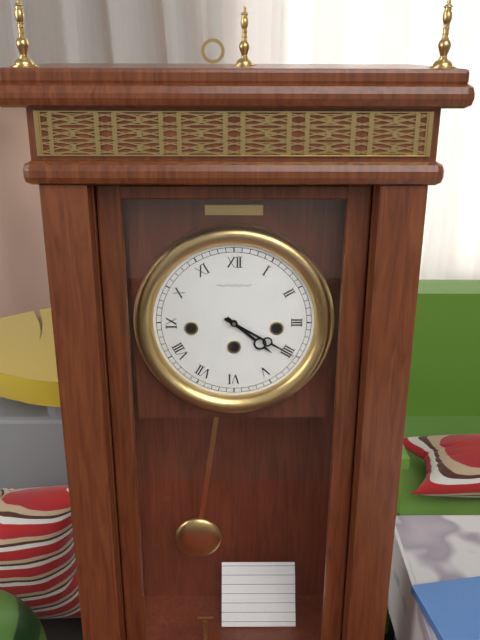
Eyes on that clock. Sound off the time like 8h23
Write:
4h20
